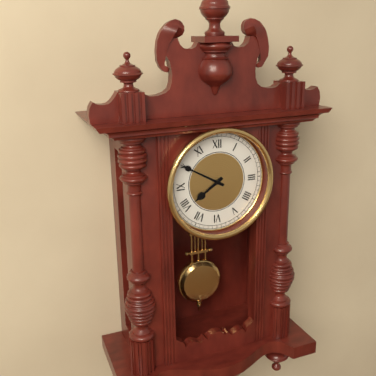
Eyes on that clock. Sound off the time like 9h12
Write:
7h50
